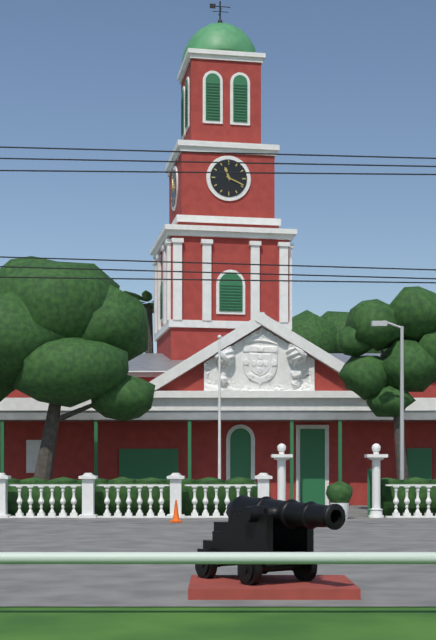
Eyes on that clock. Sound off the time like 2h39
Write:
11h19
